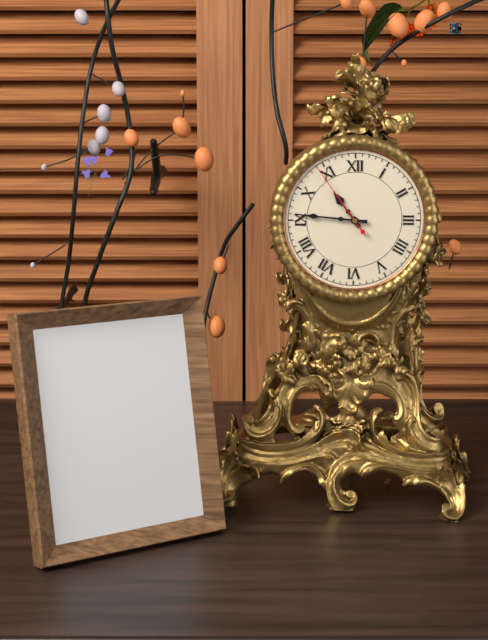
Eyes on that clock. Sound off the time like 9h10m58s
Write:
10h46m54s
